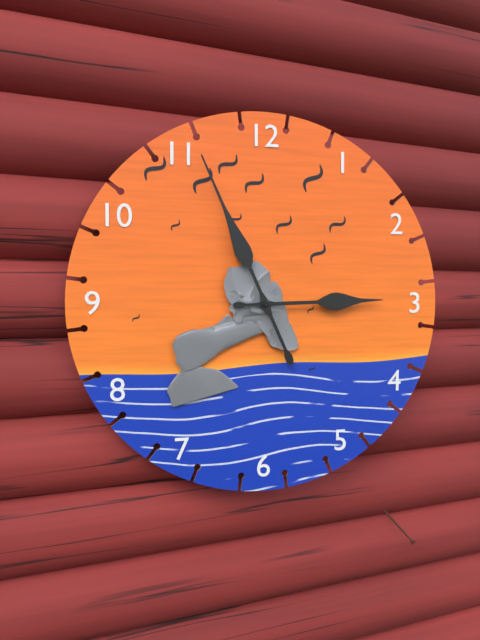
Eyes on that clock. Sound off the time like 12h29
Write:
2h56
